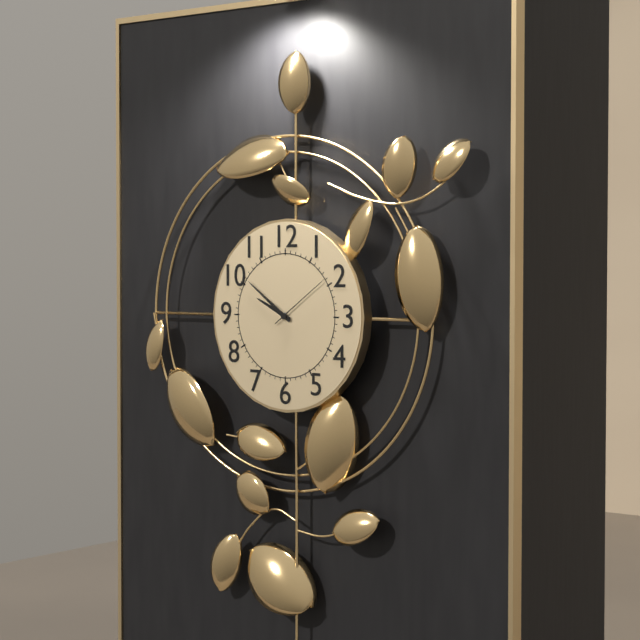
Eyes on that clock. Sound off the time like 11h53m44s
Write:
9h51m09s
